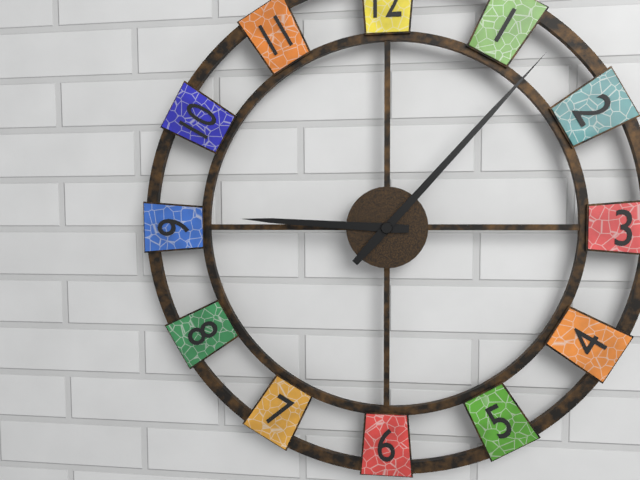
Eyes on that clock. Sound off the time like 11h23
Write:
9h07
